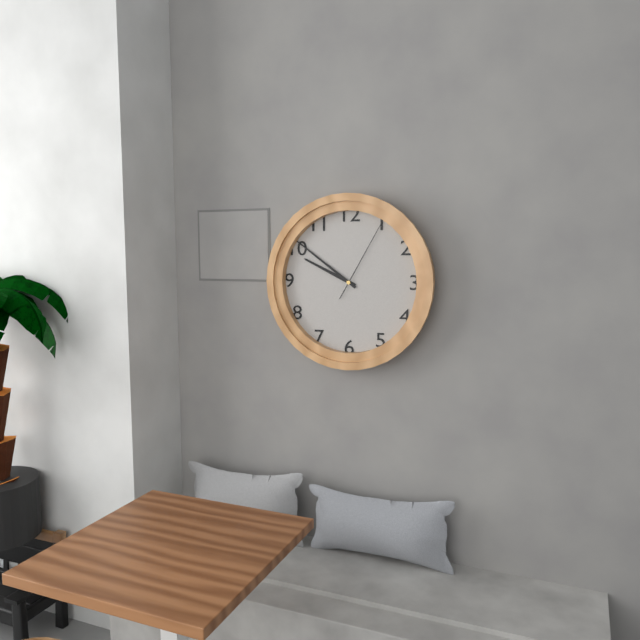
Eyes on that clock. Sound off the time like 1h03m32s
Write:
9h51m05s
